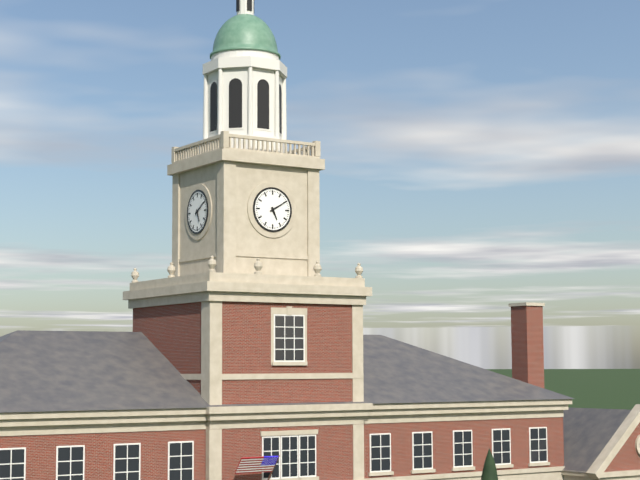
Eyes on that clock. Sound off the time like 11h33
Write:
5h10
